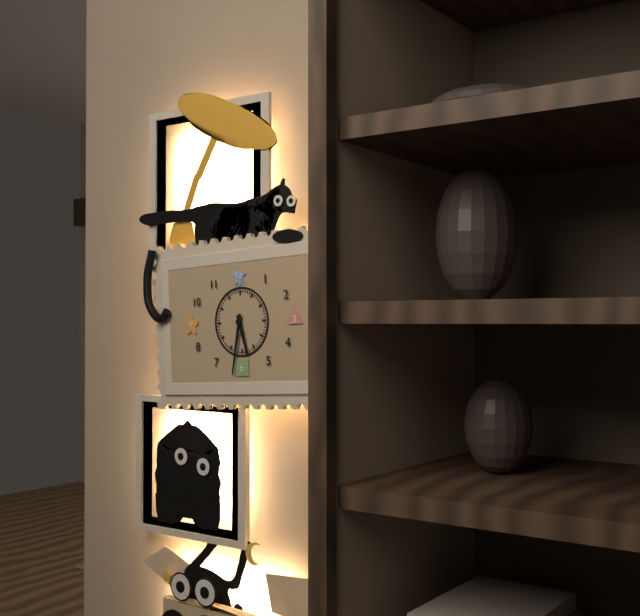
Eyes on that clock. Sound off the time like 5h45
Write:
5h32
